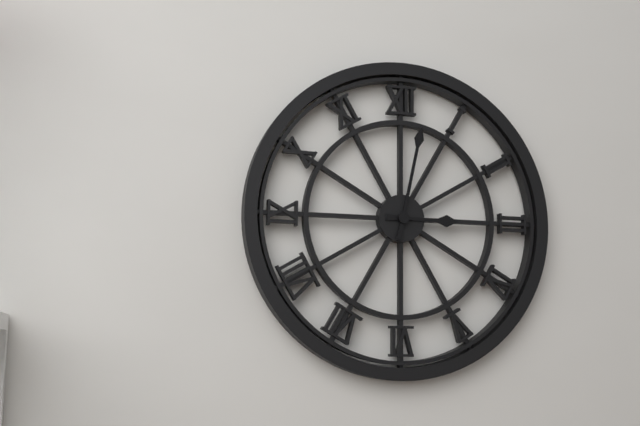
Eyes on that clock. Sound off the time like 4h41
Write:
3h02
